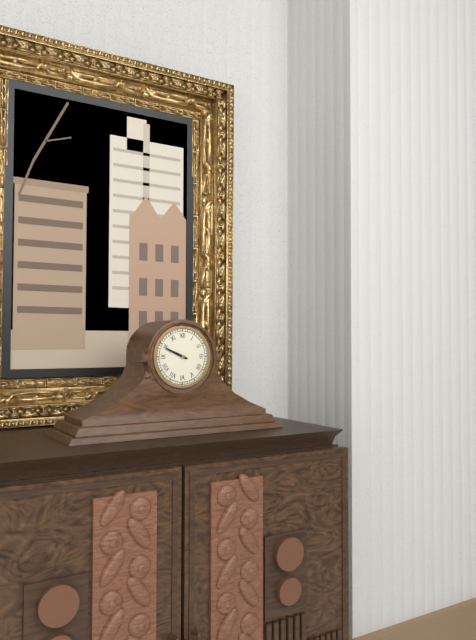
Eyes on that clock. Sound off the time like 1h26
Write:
9h49
